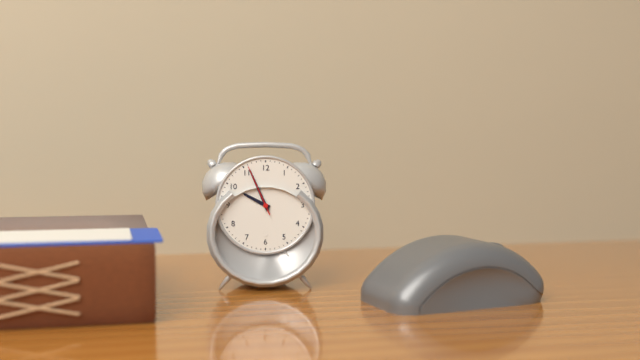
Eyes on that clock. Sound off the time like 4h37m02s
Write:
9h56m56s
